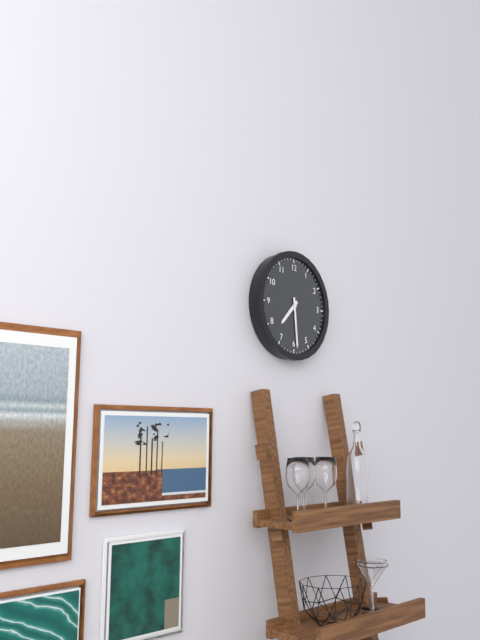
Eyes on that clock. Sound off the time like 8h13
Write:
7h29
